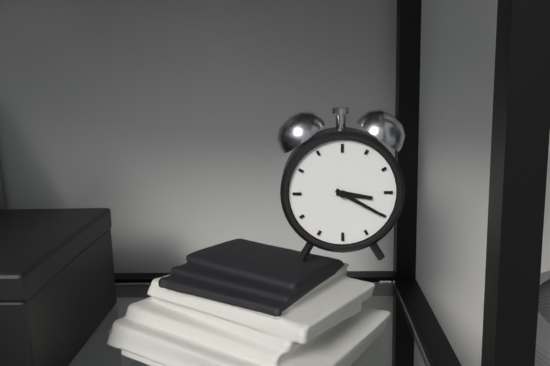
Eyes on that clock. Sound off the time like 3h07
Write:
3h20
